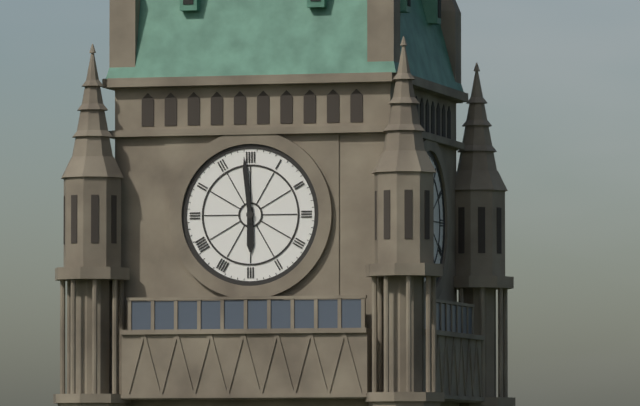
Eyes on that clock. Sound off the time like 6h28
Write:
5h59
